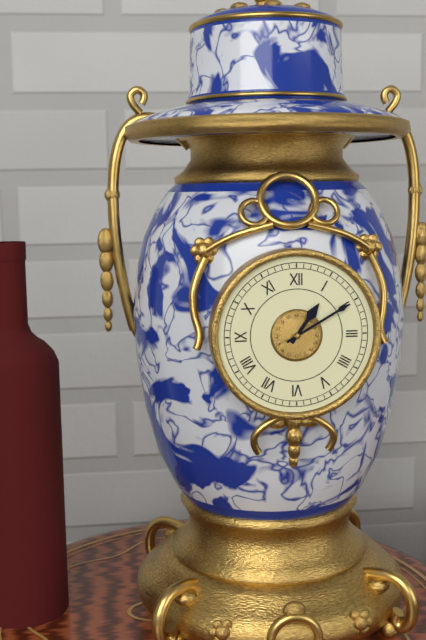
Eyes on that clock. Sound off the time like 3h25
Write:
1h10
